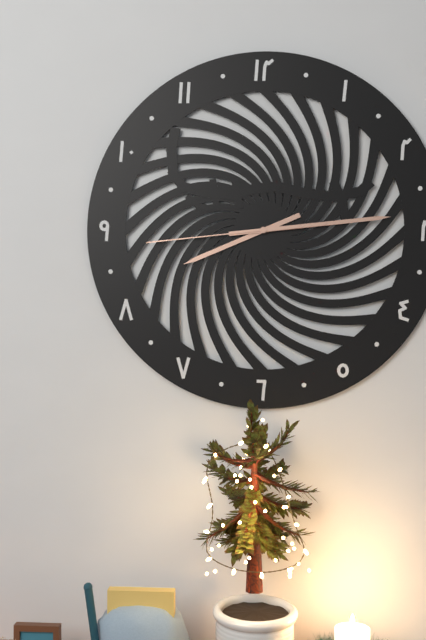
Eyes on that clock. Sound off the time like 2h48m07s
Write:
8h14m44s
